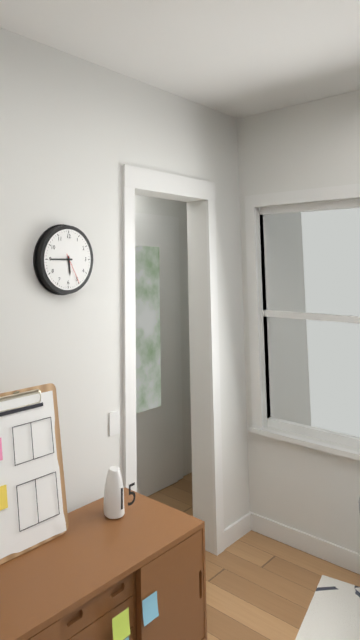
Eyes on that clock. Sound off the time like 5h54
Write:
5h45
